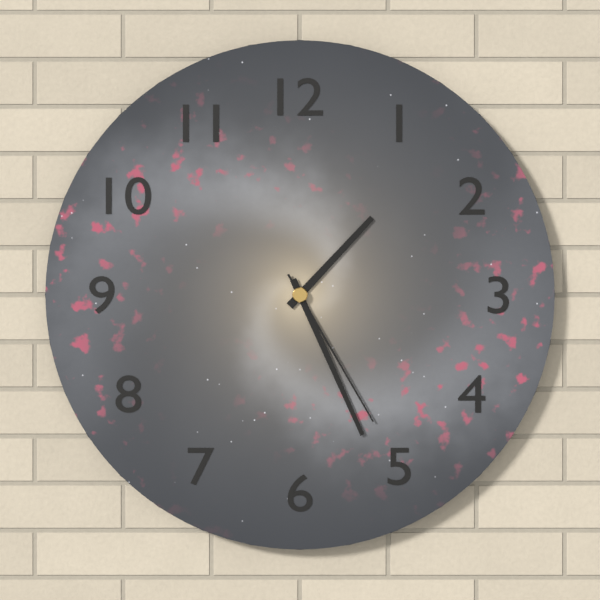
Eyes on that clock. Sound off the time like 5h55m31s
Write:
1h26m25s
